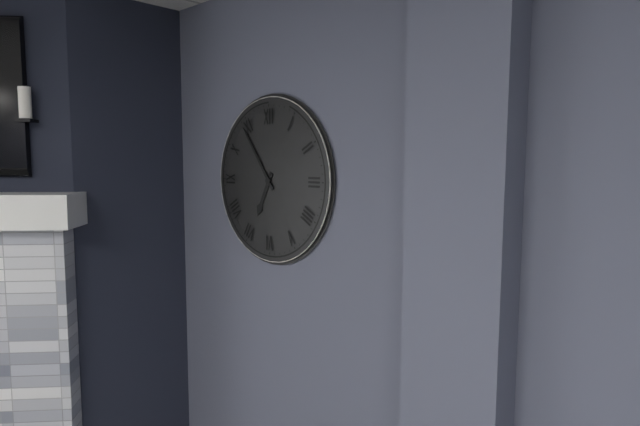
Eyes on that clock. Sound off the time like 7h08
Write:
6h54
